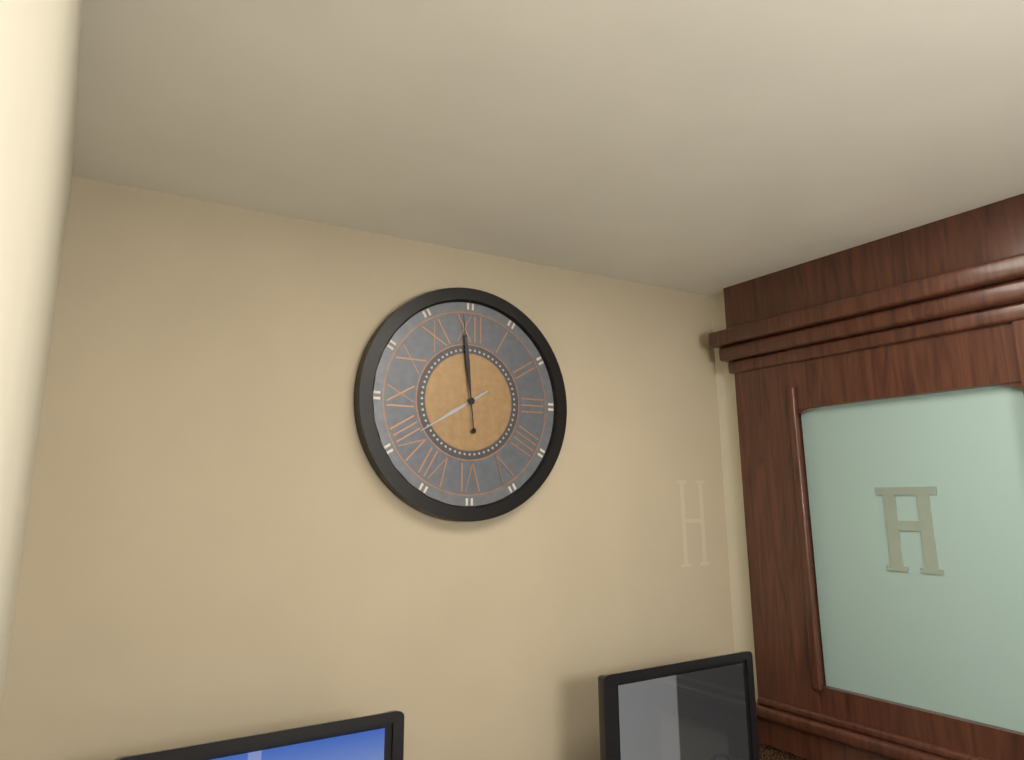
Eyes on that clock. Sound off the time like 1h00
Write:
7h59
